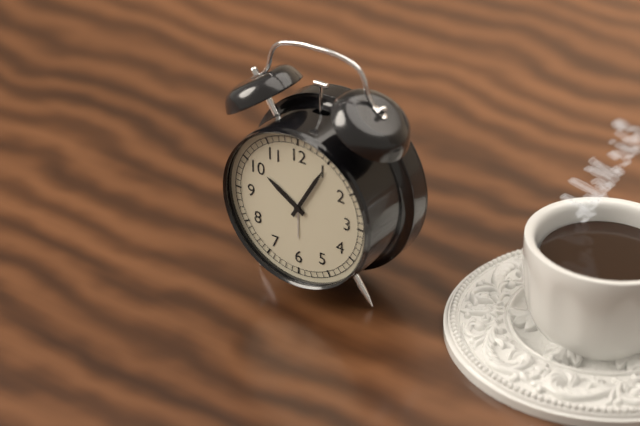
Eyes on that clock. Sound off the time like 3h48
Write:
10h05
